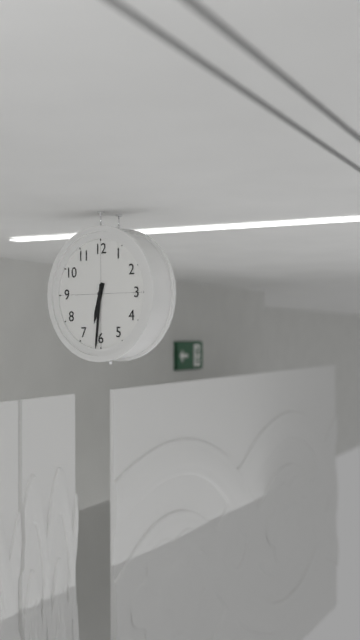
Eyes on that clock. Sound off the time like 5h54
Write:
6h31
